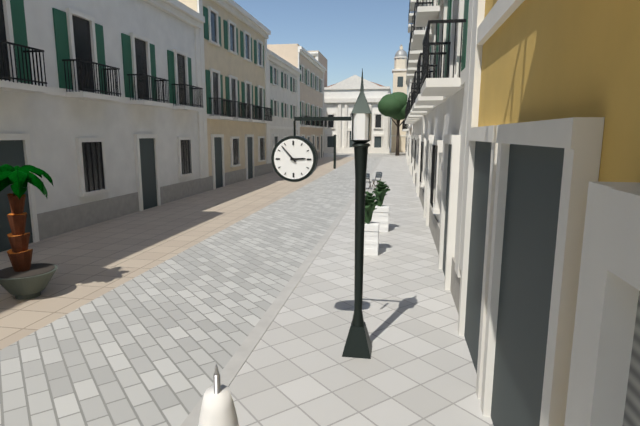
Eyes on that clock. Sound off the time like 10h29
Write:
2h53
